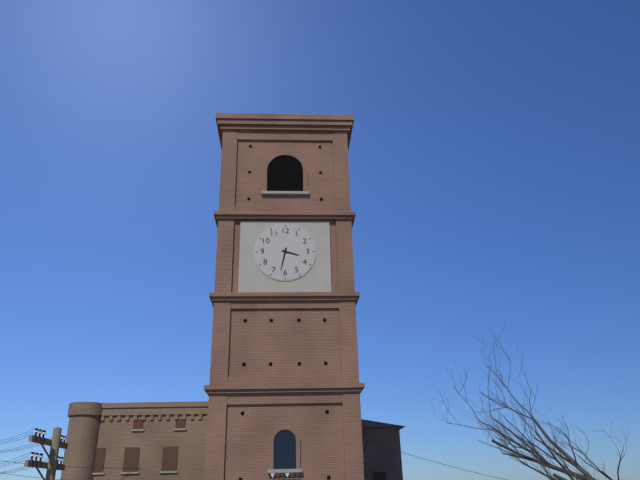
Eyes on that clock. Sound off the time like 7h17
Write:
3h32
